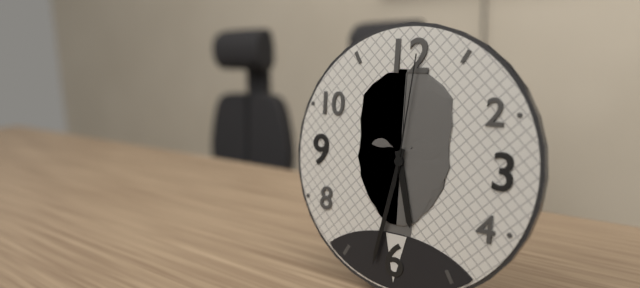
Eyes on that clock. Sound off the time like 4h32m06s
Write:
5h32m01s
